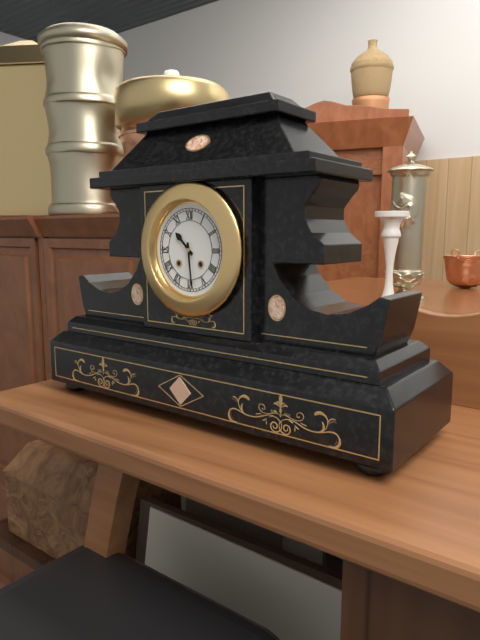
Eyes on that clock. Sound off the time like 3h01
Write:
10h29
